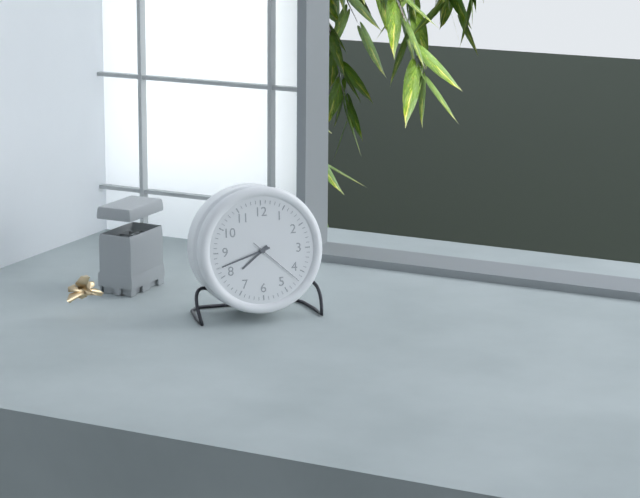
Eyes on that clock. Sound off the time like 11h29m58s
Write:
7h42m22s
